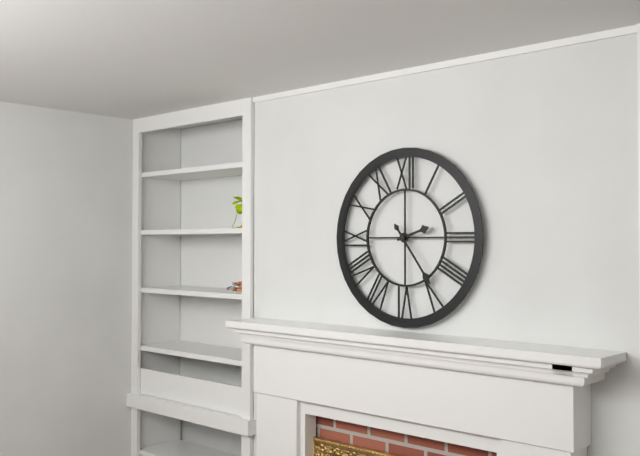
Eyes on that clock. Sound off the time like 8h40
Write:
2h24
